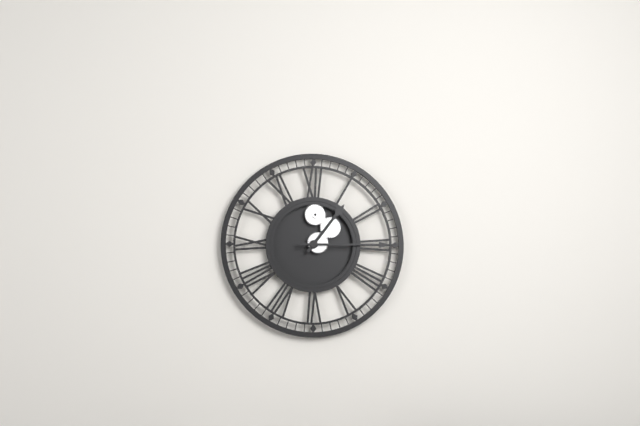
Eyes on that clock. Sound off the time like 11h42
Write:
1h15
